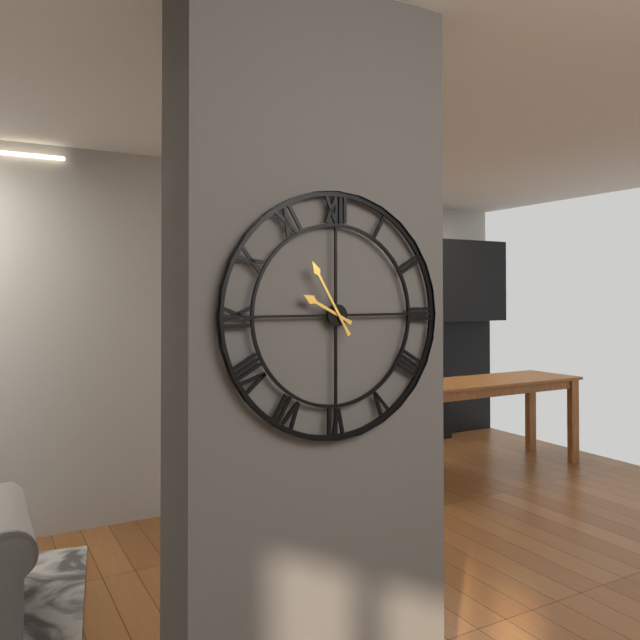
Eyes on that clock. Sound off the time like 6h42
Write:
9h55
